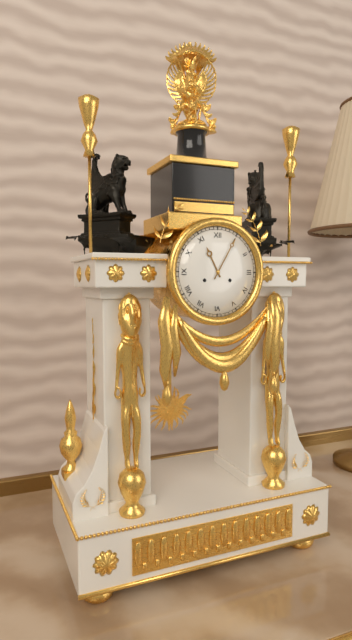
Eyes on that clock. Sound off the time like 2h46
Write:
11h05
